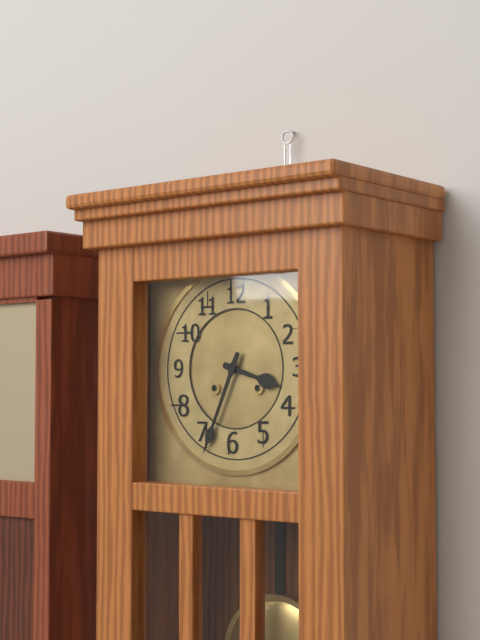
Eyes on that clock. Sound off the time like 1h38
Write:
3h34
